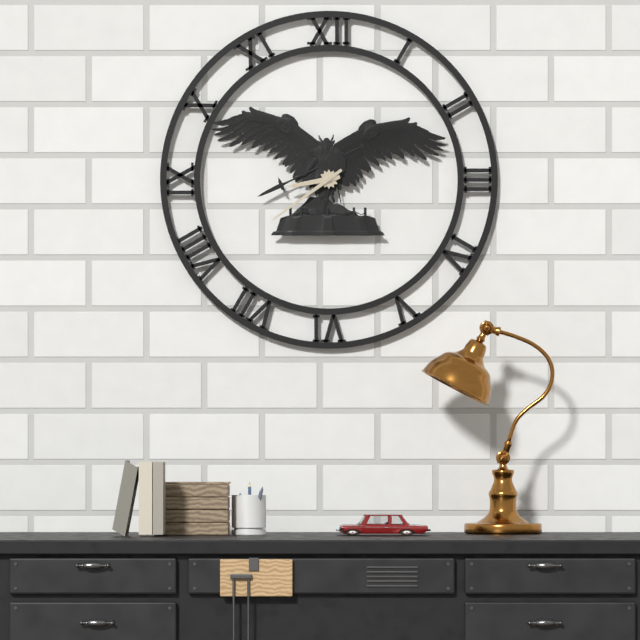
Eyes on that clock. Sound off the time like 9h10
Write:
8h39
